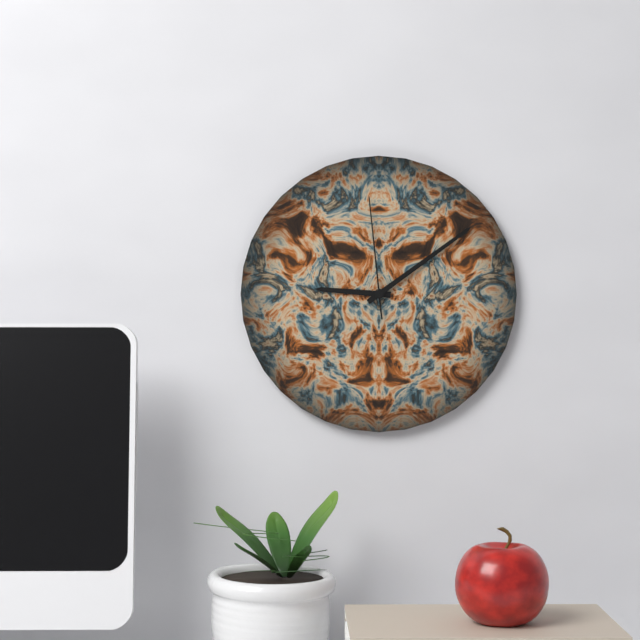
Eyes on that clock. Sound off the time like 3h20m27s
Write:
9h09m59s
